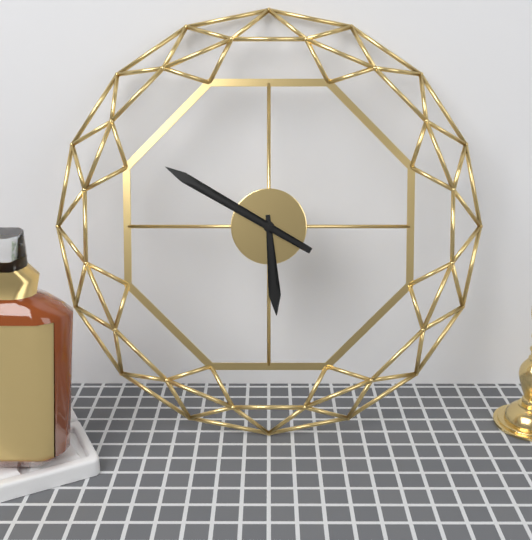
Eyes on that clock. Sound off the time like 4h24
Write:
5h50
